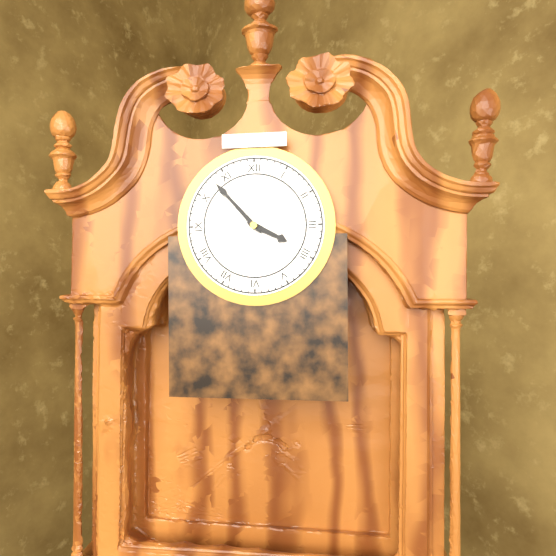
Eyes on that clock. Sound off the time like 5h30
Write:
3h53
